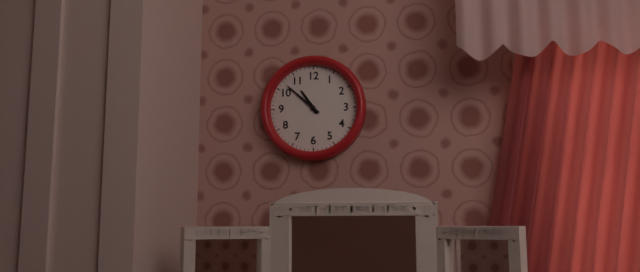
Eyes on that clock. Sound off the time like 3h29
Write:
10h52
